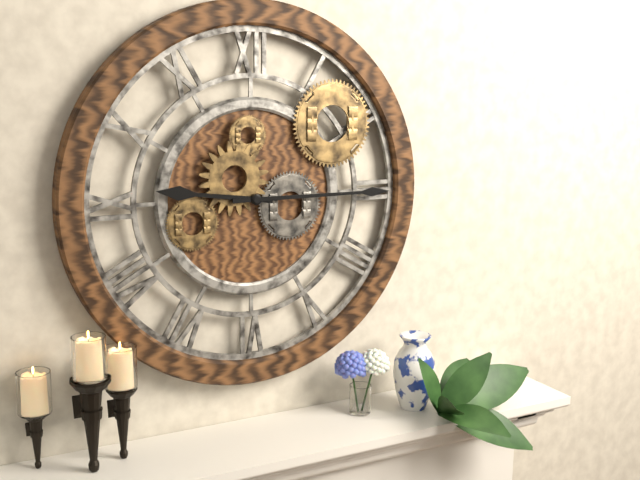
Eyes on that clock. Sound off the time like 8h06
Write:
9h15
